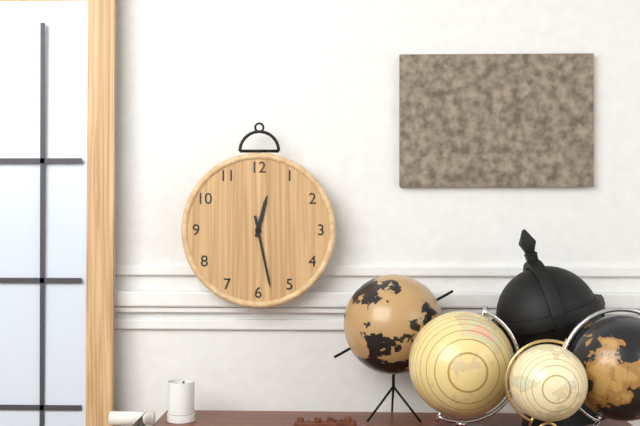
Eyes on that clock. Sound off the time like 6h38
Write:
12h28
